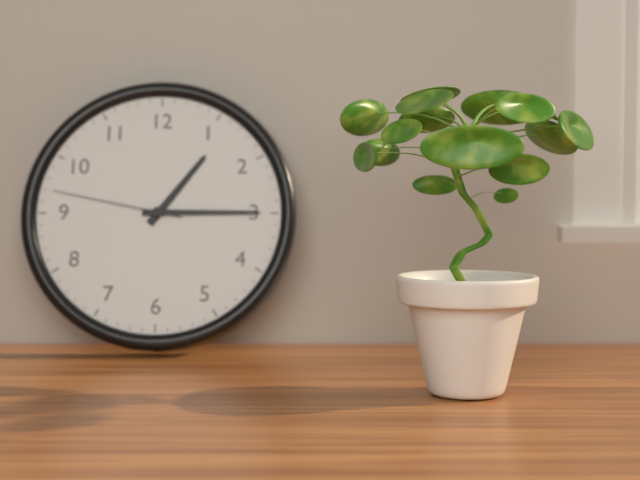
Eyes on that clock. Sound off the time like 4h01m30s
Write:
1h15m47s
